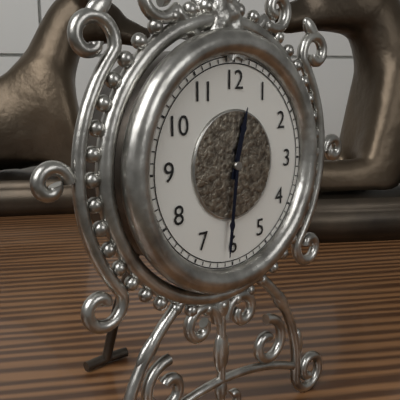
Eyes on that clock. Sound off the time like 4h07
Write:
12h31
